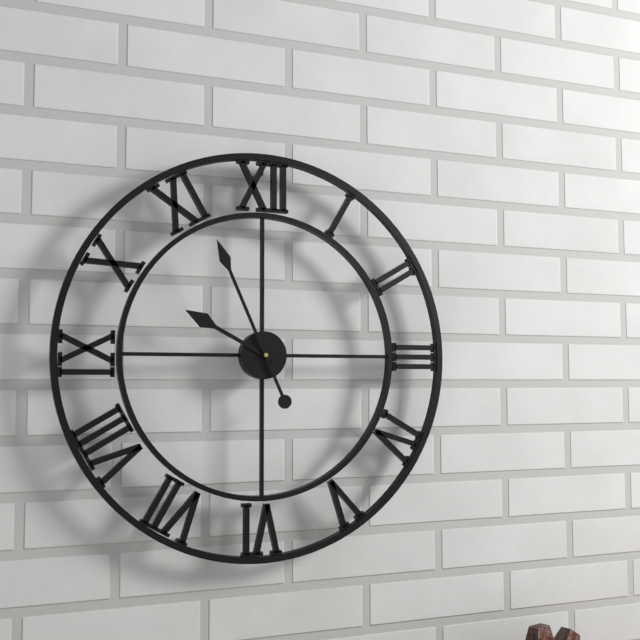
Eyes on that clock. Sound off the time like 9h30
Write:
9h56
